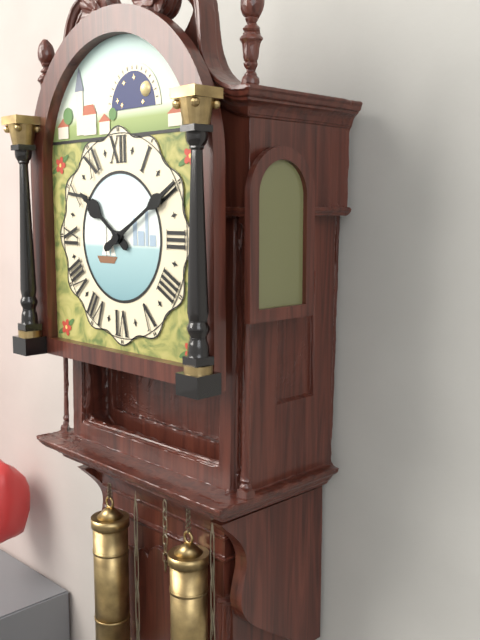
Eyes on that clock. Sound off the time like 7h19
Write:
10h10
